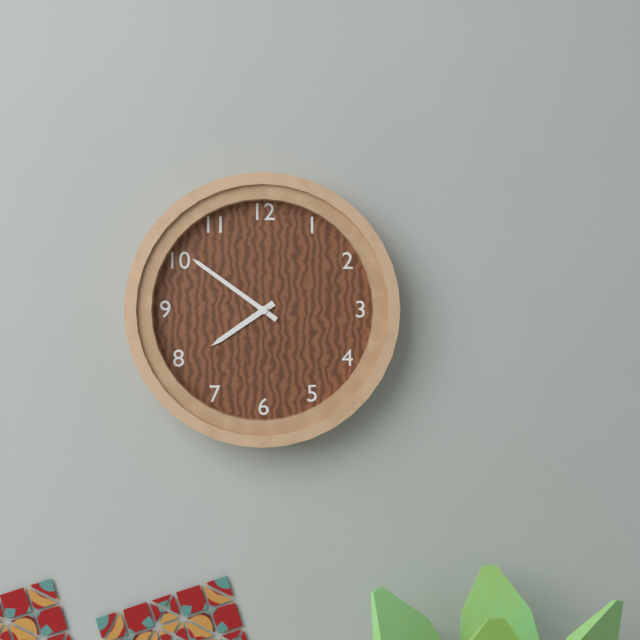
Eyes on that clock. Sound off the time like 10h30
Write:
7h51
